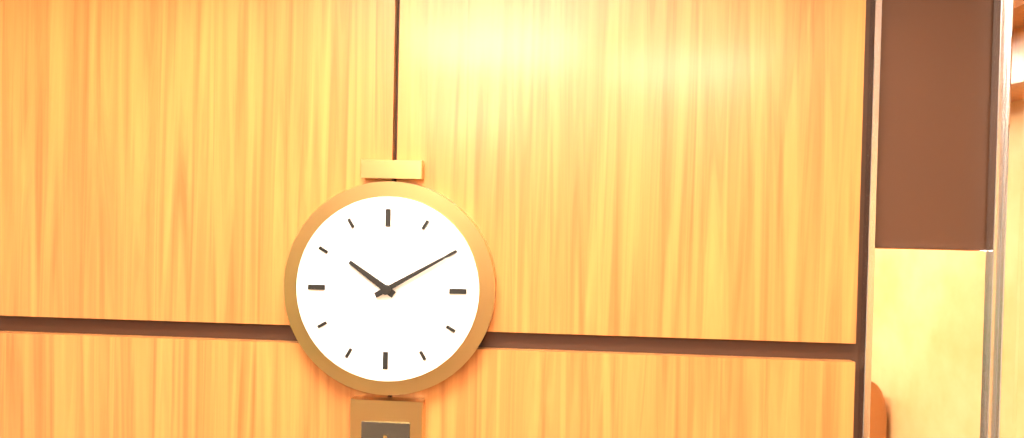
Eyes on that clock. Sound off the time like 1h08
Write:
10h10
